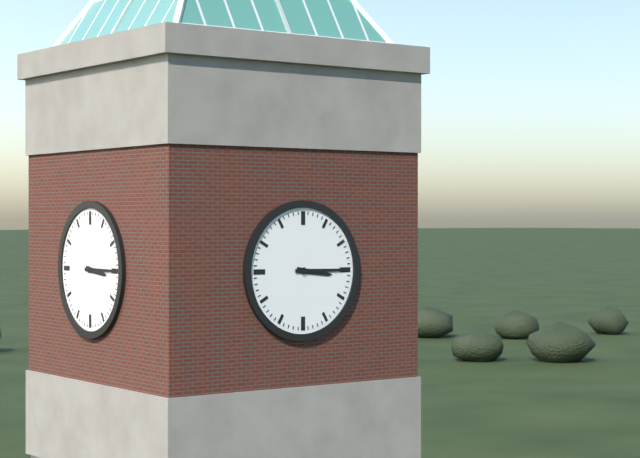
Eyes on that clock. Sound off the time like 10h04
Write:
3h15
